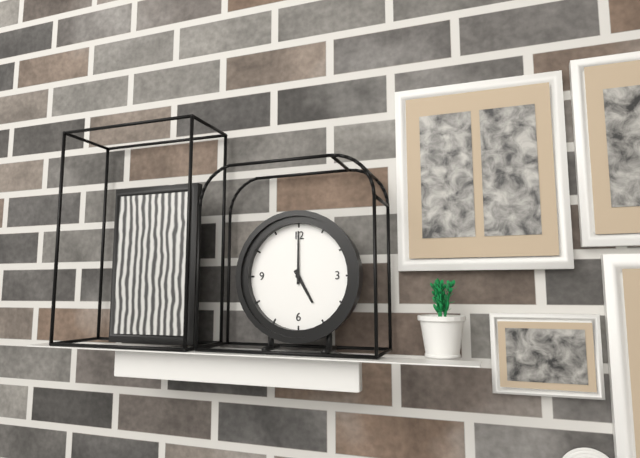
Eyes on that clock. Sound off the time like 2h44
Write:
5h00
